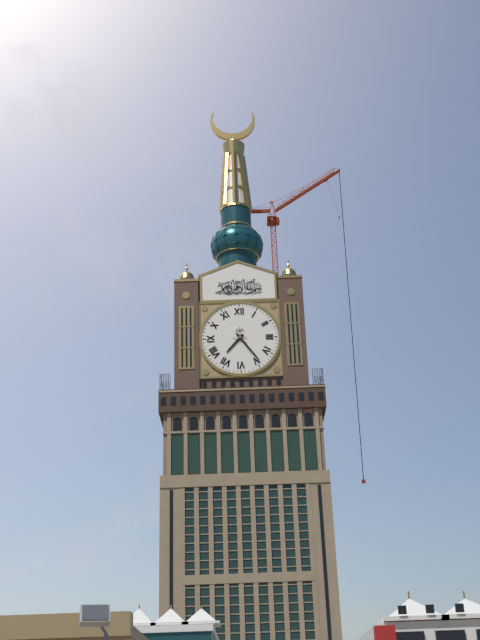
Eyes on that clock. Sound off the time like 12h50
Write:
7h24
